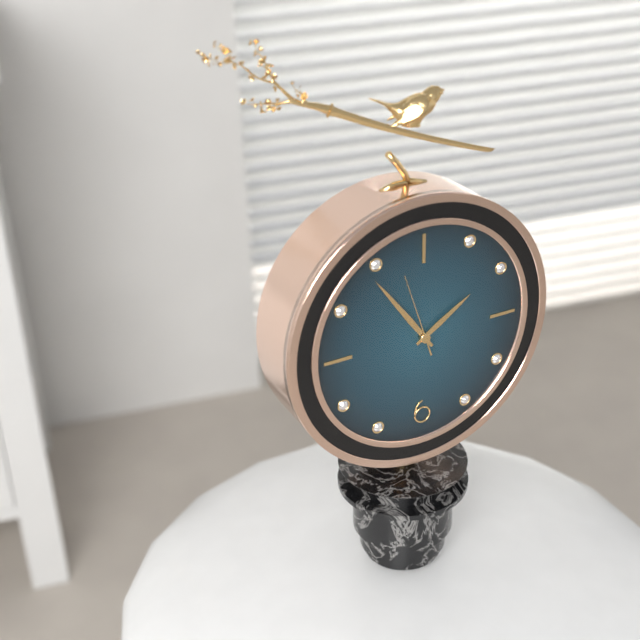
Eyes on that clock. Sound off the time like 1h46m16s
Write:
1h54m57s
